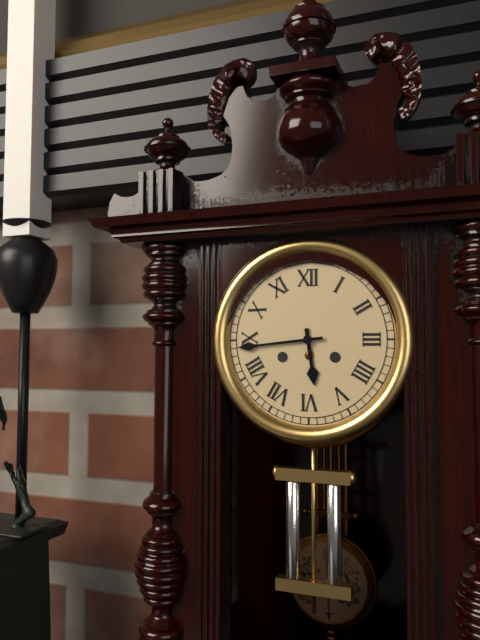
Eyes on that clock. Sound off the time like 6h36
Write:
5h44
